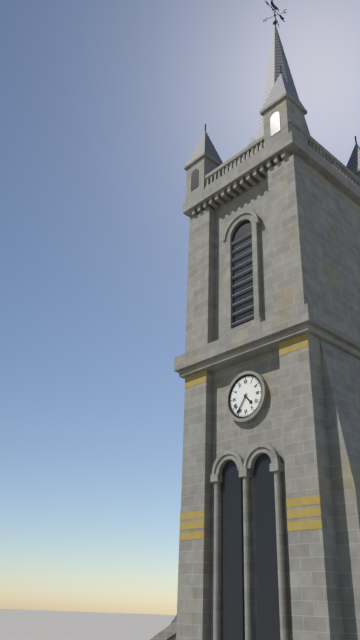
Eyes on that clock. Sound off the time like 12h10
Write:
4h36
